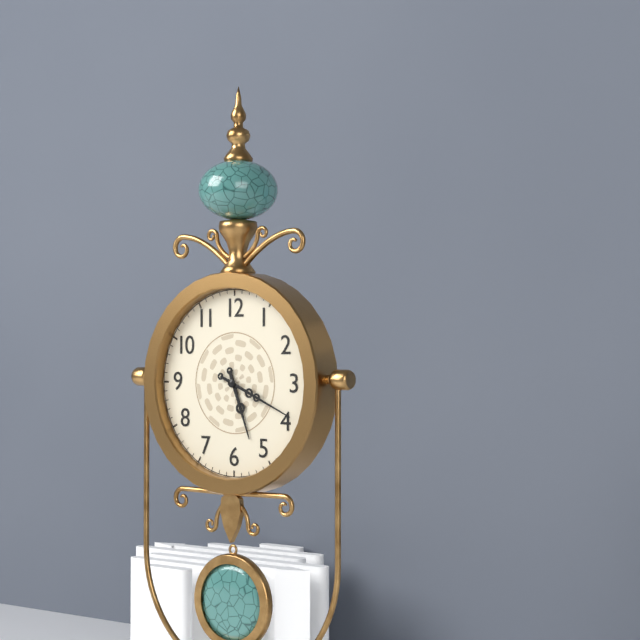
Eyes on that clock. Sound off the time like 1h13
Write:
5h19
